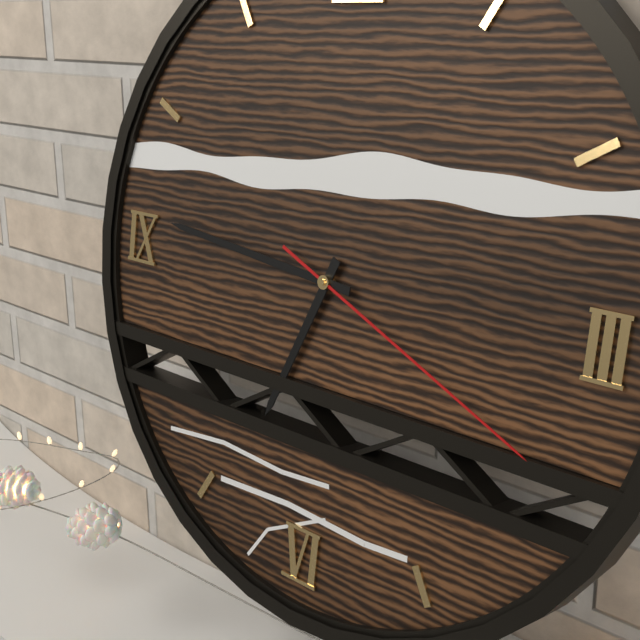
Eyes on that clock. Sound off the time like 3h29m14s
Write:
6h46m19s
